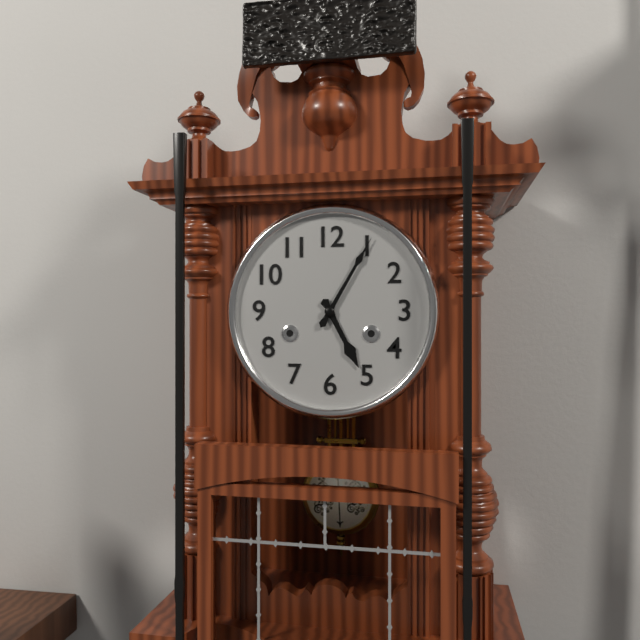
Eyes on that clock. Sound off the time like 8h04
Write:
5h05
